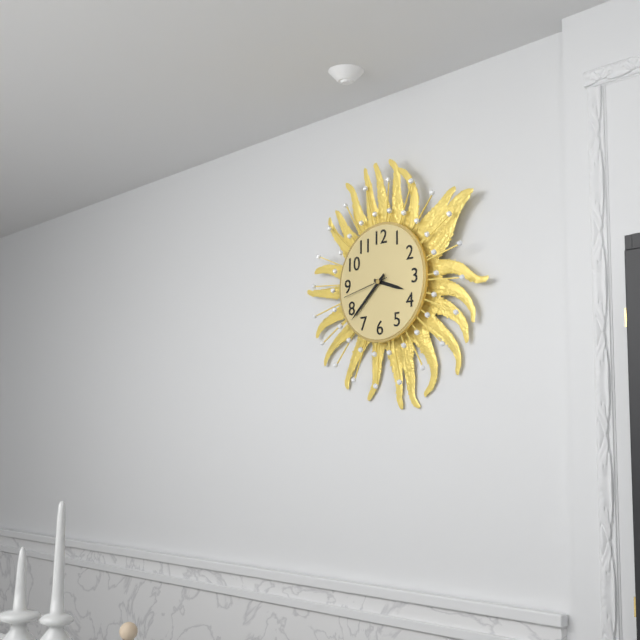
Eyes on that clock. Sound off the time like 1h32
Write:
3h38
